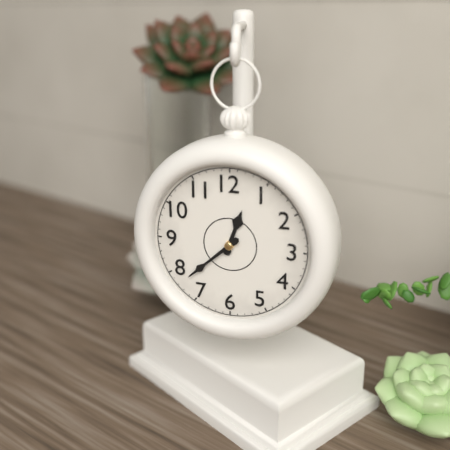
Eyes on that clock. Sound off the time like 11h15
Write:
12h38
